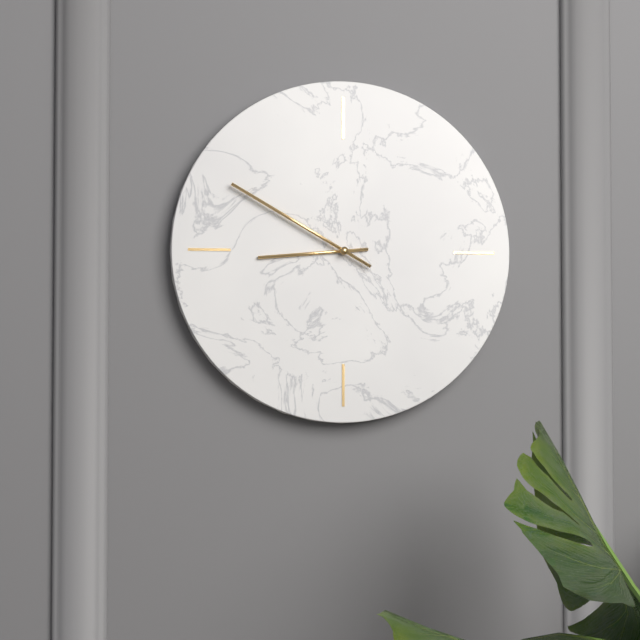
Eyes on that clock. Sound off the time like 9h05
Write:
8h50
